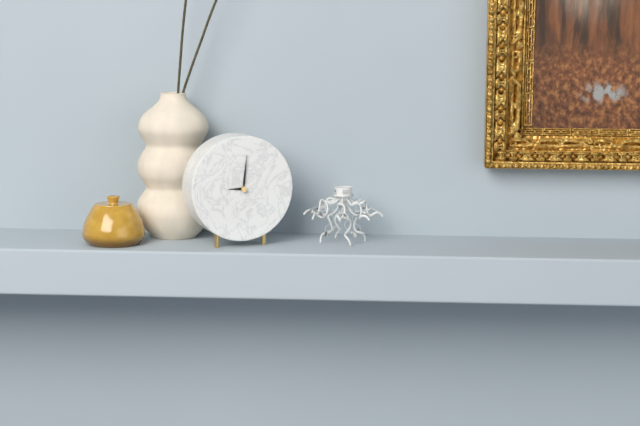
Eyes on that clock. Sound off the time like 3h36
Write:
9h01
